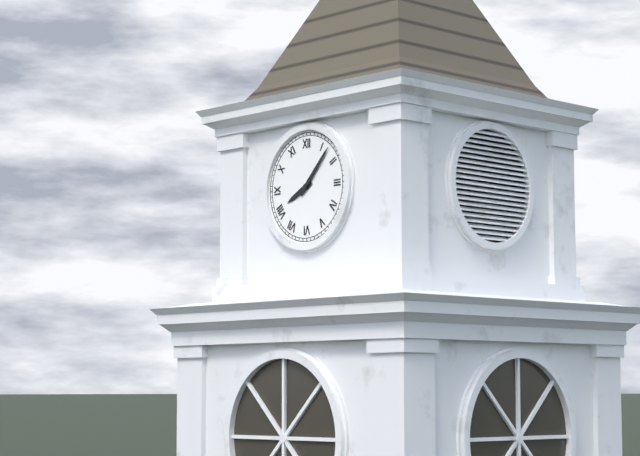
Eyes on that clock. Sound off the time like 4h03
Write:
8h07
